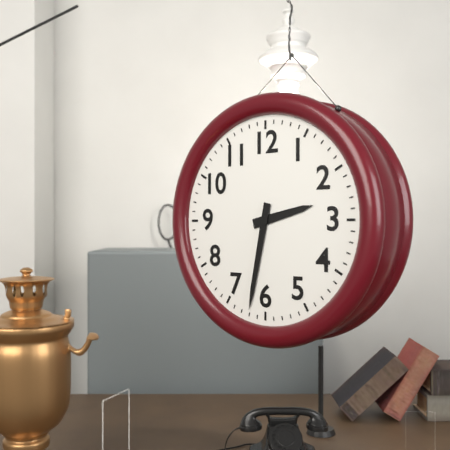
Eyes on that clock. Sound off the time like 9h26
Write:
2h32
